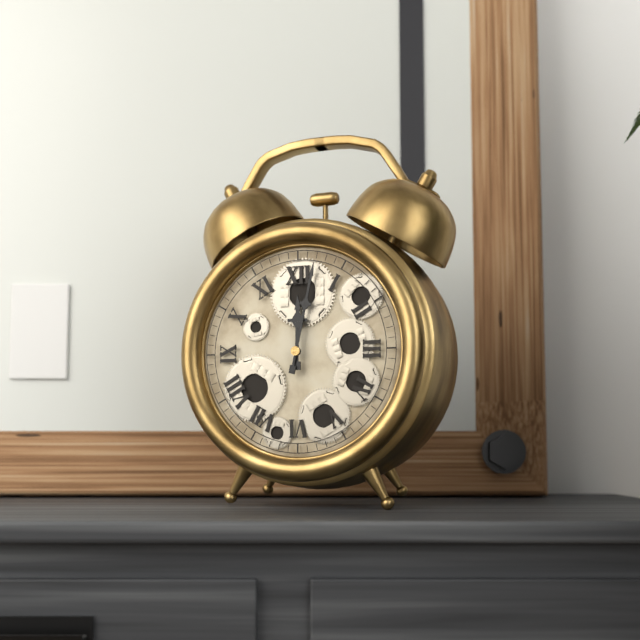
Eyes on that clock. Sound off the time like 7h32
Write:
12h02
